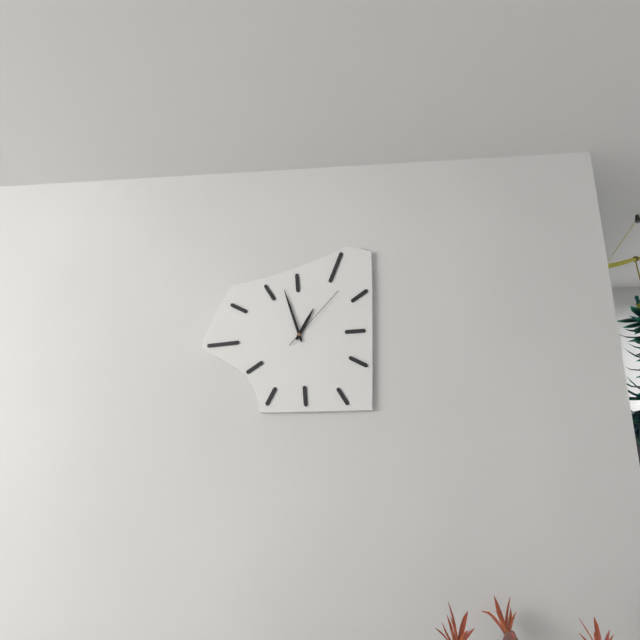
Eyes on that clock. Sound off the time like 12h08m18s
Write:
12h57m07s
